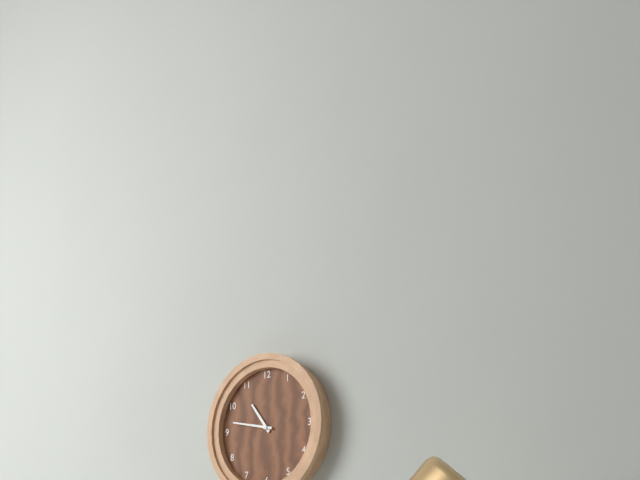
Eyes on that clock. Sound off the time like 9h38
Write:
10h47
